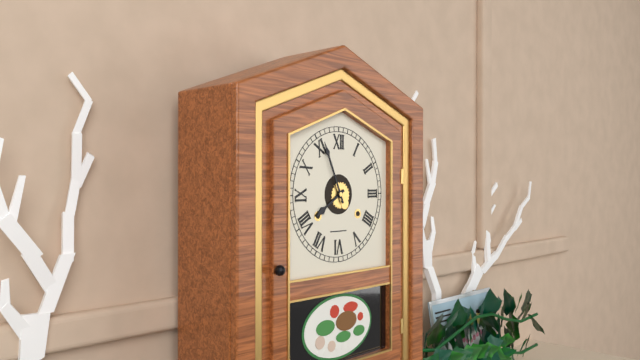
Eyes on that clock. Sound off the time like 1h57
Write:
7h56
